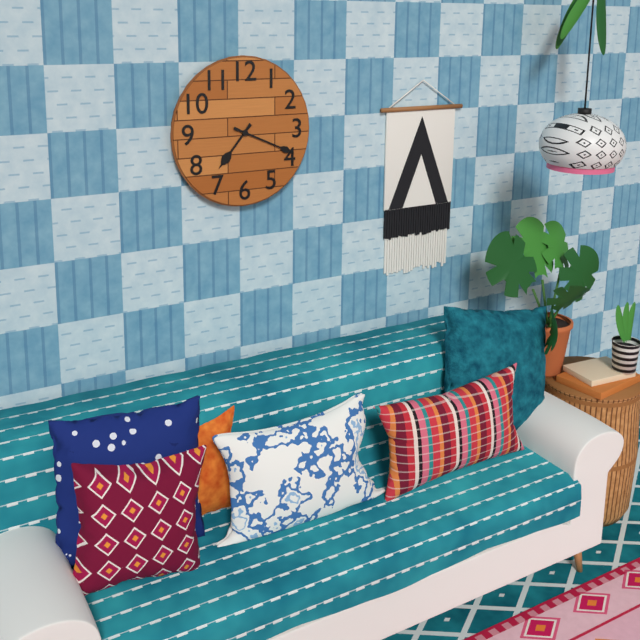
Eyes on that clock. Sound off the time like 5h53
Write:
7h19
